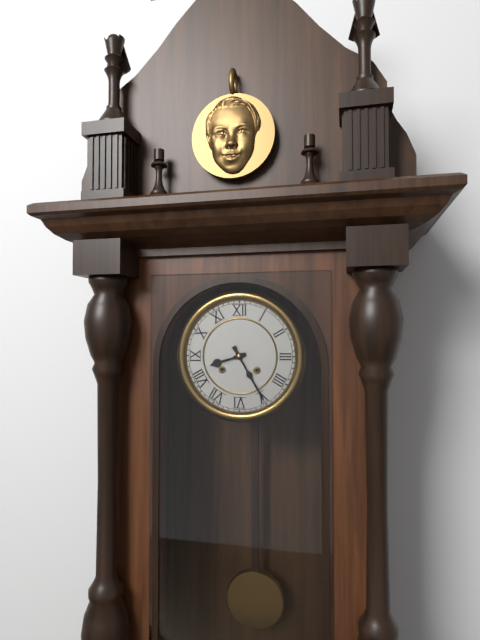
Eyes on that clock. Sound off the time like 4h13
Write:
8h25
